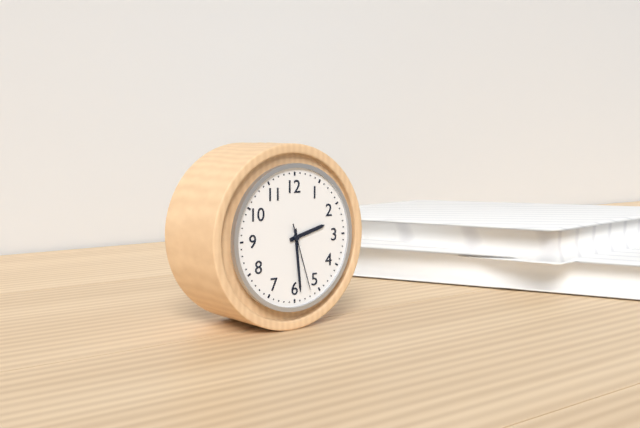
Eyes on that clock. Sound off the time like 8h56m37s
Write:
2h29m27s
